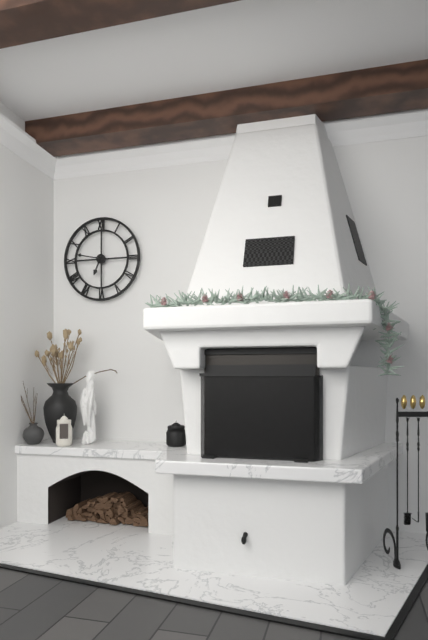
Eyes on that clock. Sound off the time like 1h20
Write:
6h47
